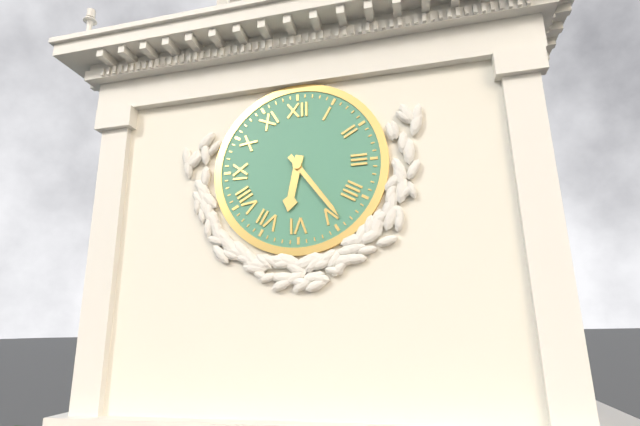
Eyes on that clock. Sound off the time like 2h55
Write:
6h24
